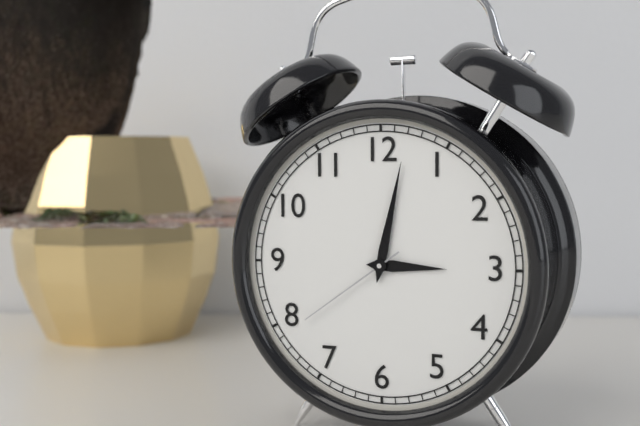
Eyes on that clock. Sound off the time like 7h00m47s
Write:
3h02m39s
